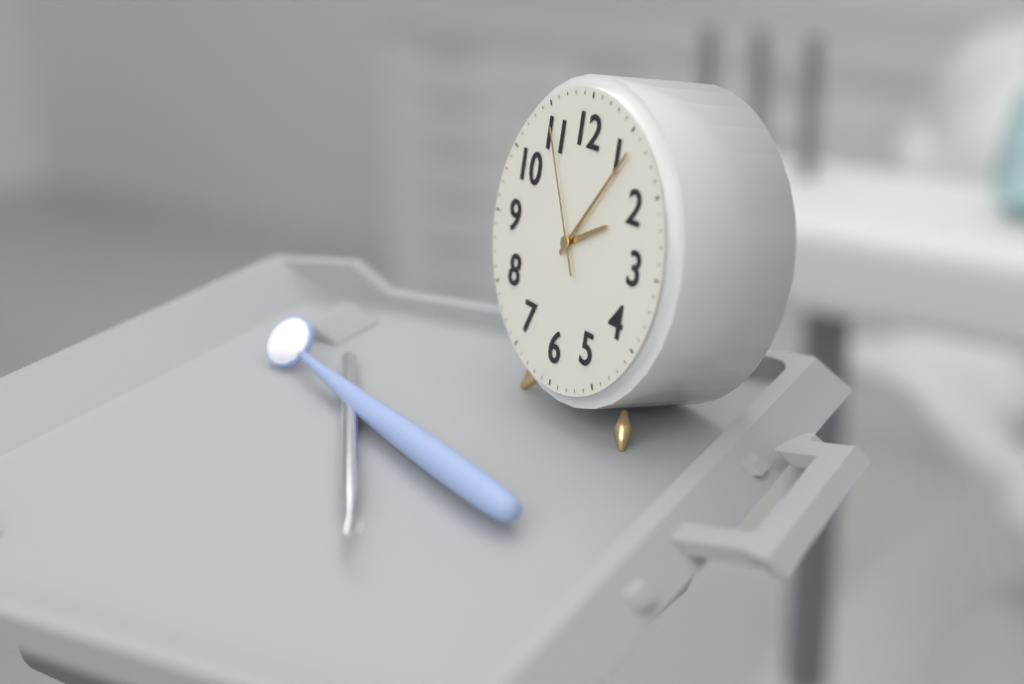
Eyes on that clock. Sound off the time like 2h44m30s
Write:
2h06m55s
